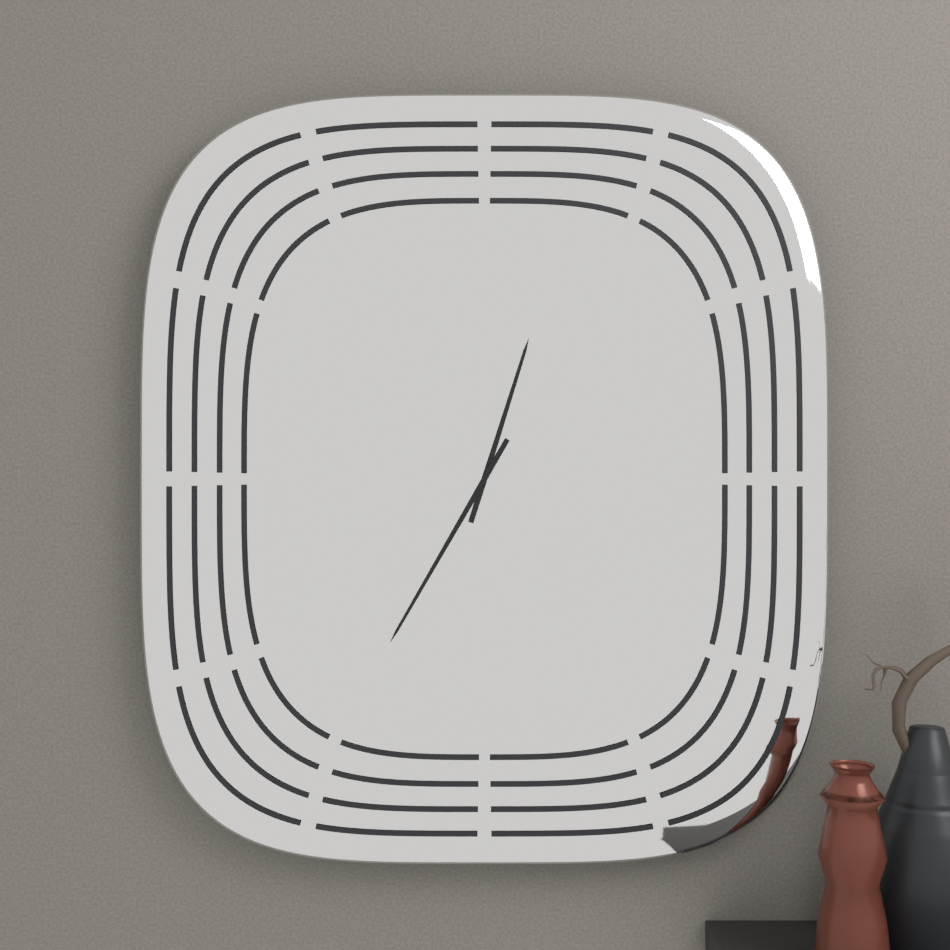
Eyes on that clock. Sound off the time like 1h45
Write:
12h35
